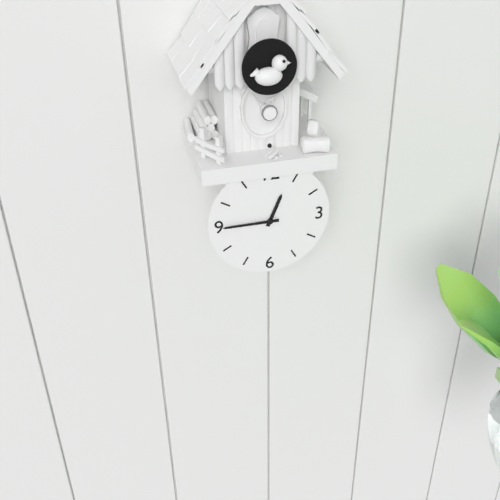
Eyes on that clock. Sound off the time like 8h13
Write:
12h45
